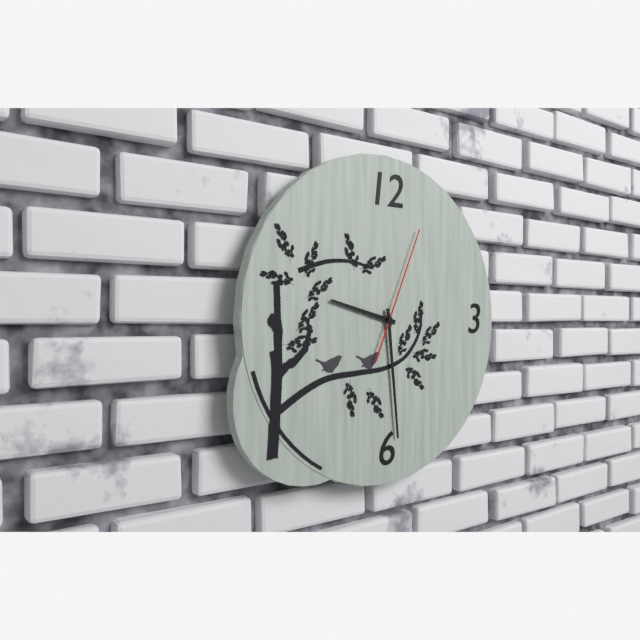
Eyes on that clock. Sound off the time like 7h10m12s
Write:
9h29m04s
